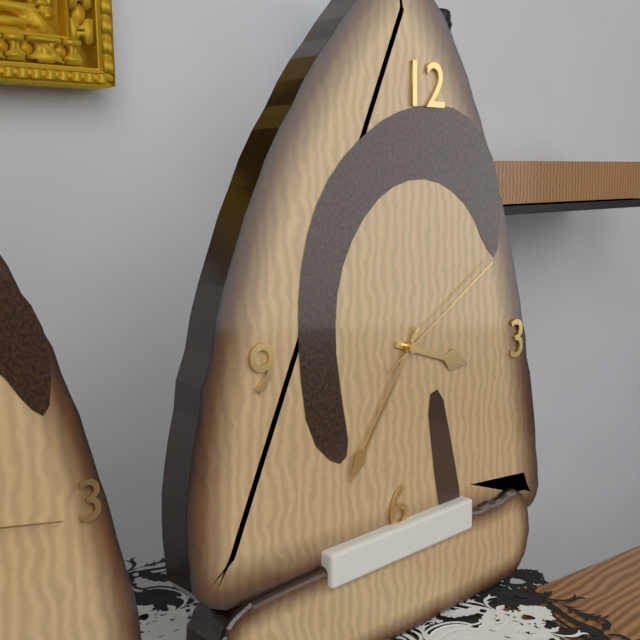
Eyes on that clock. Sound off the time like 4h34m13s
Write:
3h36m10s
